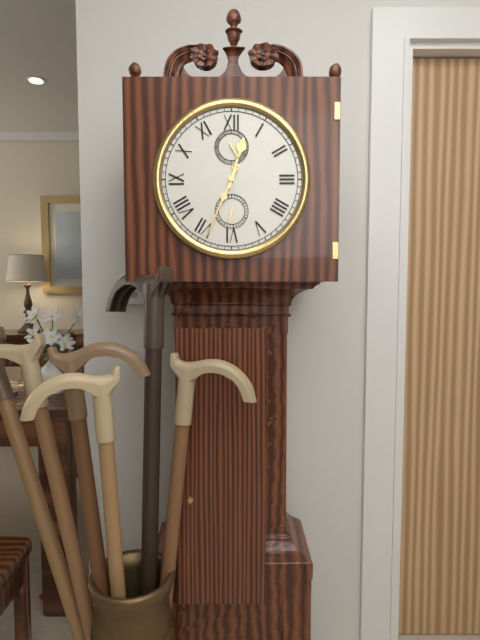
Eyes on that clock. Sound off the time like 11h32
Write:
12h34
